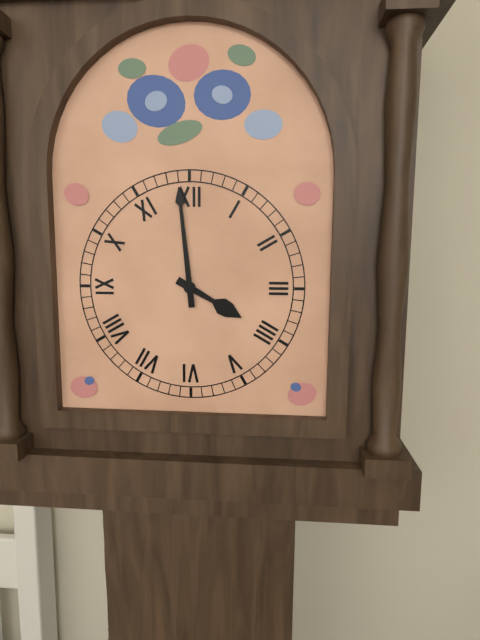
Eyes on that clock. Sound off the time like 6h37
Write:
3h59
